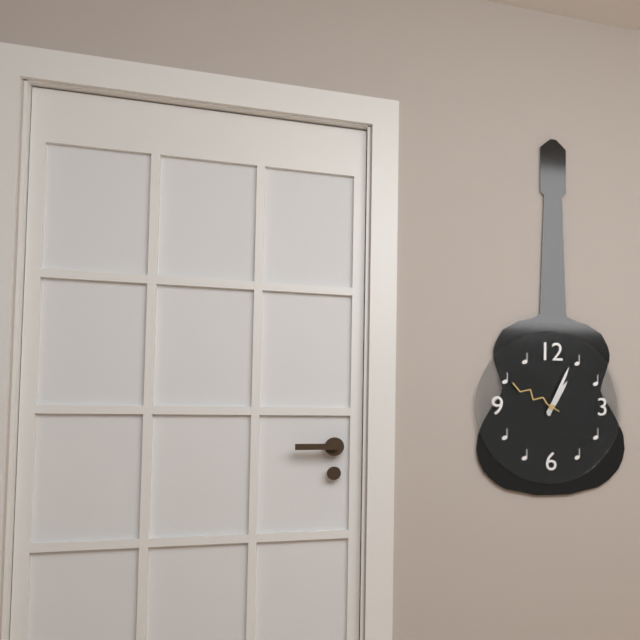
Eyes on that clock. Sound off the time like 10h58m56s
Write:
1h04m50s
